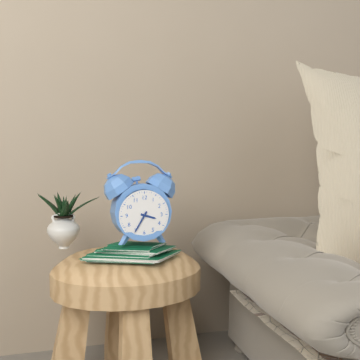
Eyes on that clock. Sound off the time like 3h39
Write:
3h35
